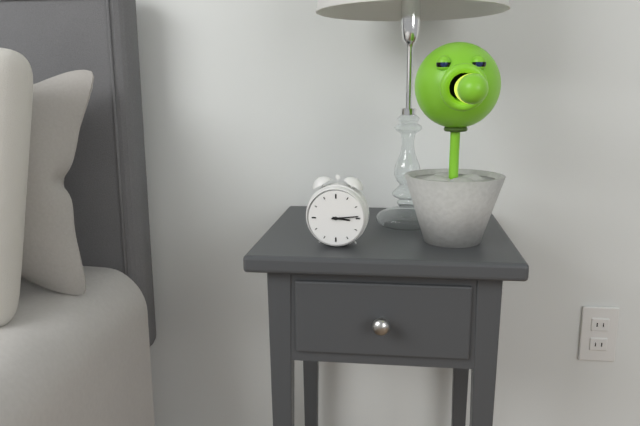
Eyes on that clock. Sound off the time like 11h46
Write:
3h14
